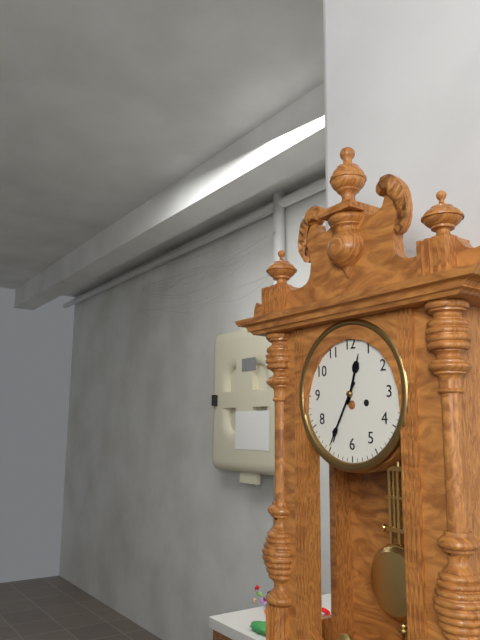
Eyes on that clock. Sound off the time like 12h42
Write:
12h35
